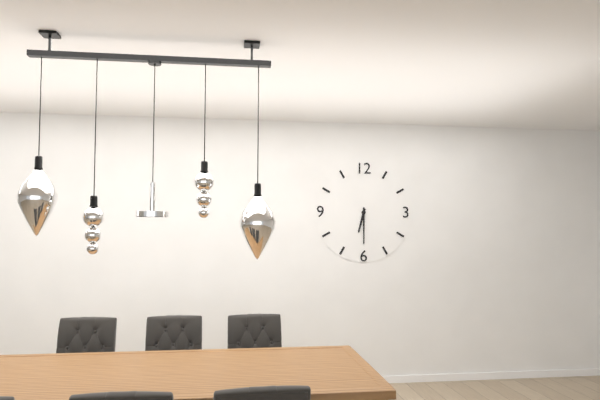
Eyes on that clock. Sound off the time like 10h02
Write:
6h30
